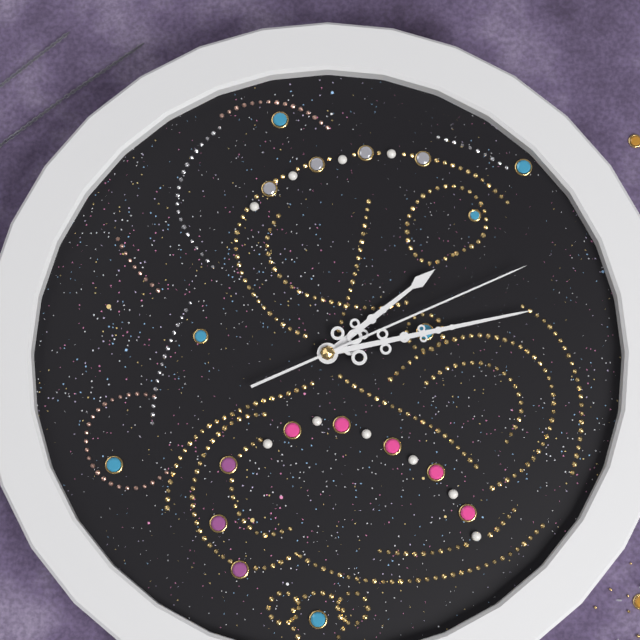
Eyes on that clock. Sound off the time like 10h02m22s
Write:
7h43m41s
